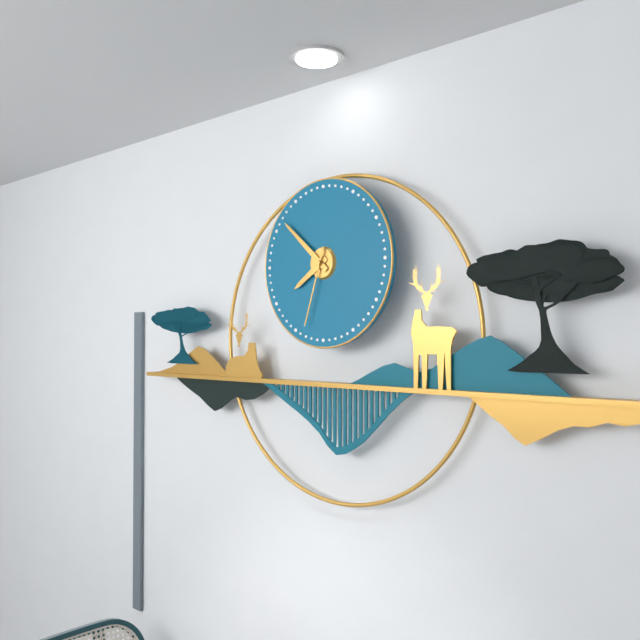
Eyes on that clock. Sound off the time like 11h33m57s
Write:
7h52m33s
